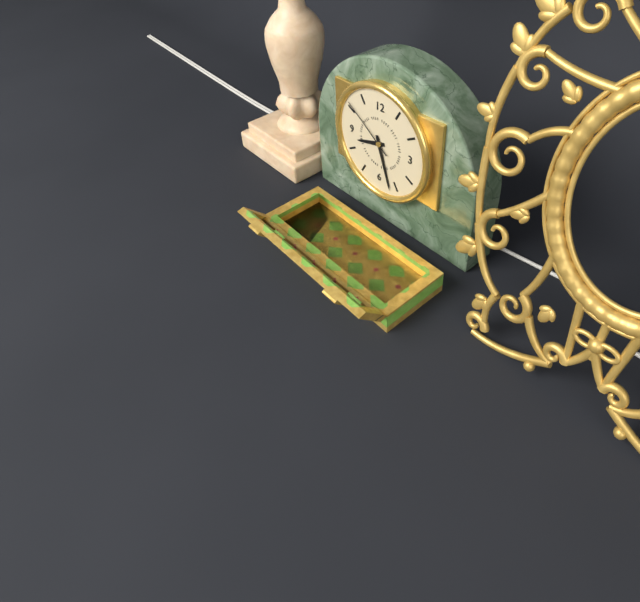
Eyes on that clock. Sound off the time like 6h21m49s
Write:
8h27m51s
